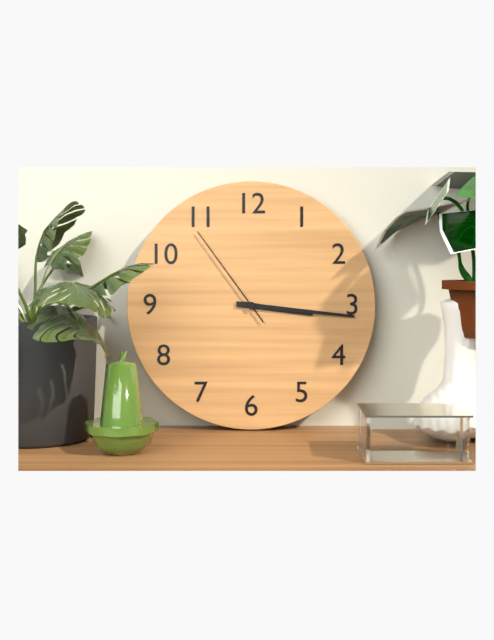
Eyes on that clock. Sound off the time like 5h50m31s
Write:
3h16m54s
